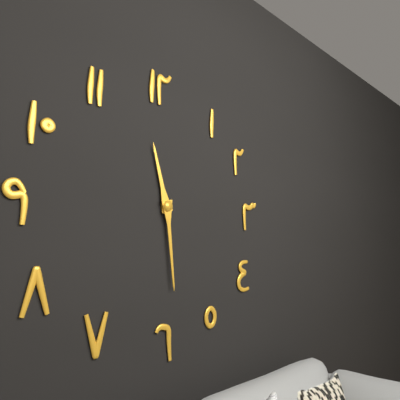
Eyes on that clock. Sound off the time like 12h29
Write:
11h29
